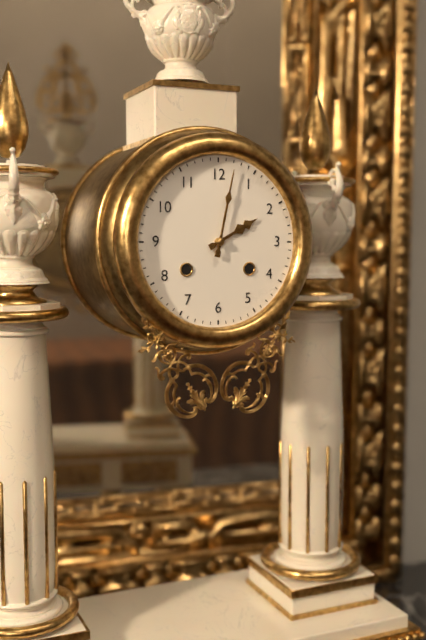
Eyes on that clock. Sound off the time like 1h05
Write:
2h02
